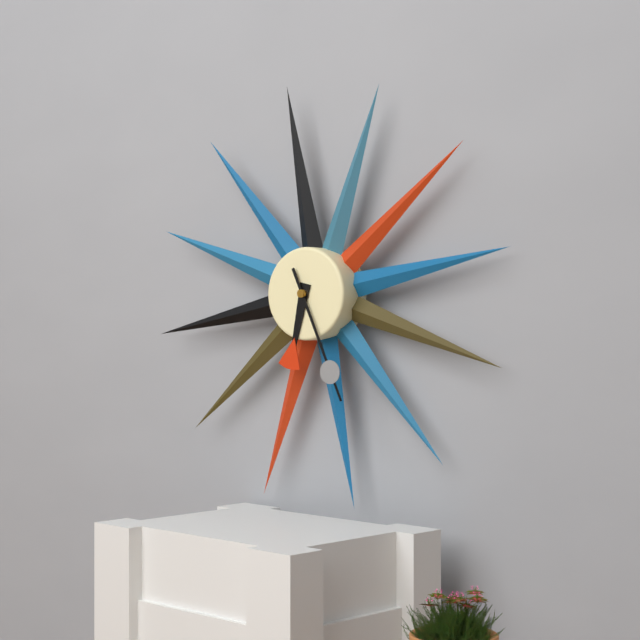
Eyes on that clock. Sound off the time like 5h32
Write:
6h26
